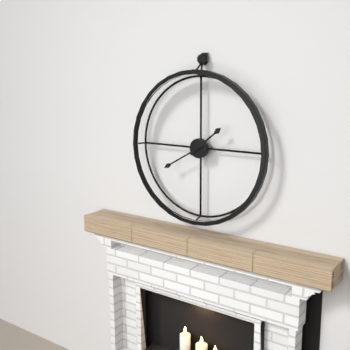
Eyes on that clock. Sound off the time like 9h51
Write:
1h40
